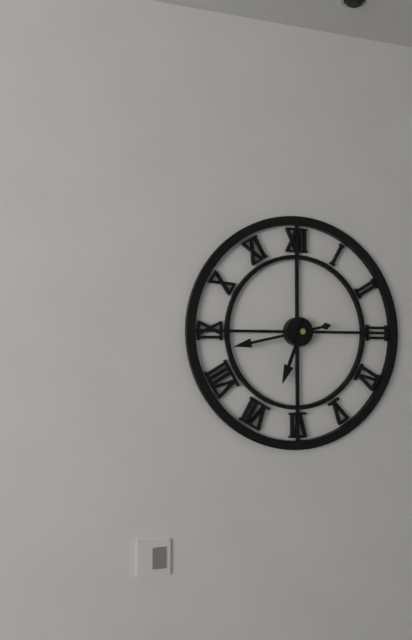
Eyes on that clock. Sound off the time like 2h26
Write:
6h43
